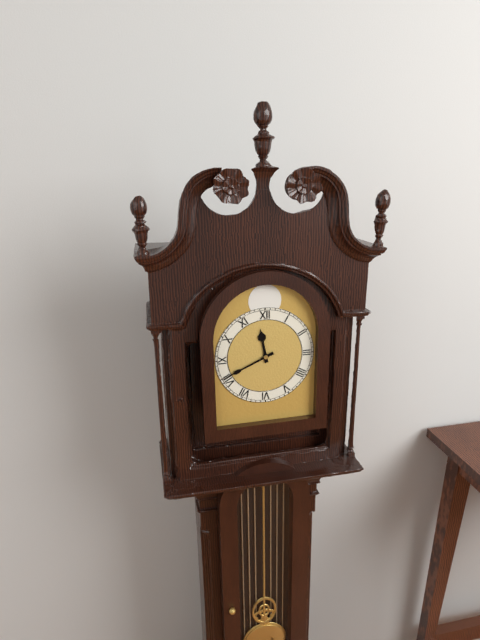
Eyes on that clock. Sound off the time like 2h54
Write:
11h41
